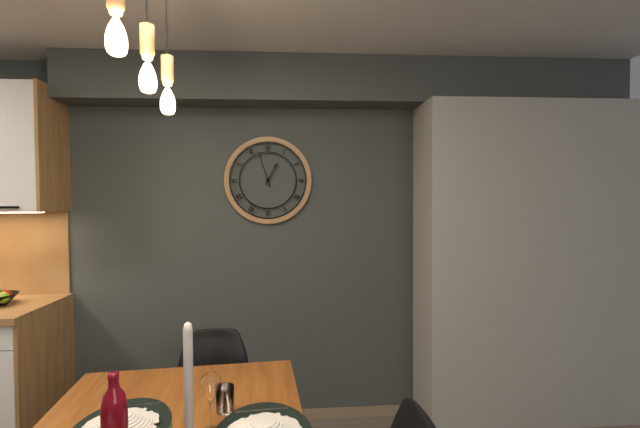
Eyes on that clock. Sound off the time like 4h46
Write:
12h57
